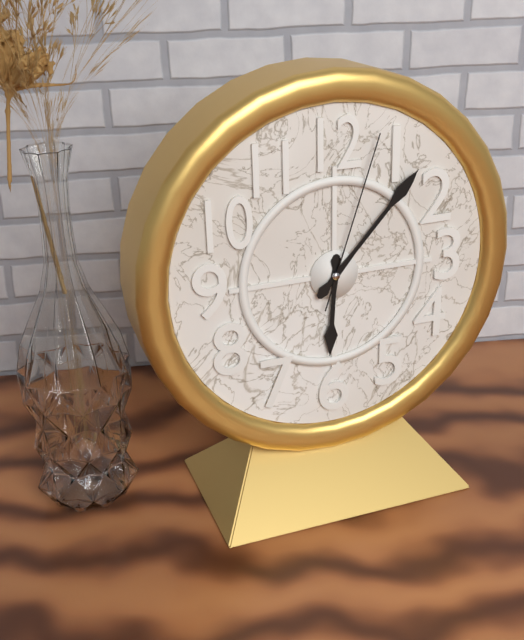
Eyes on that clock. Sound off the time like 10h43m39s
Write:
6h07m03s
